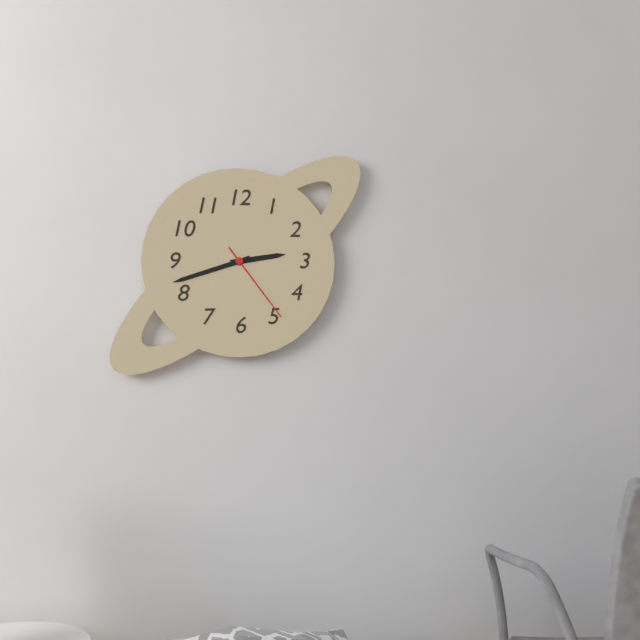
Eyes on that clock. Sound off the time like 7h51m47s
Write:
2h42m24s
